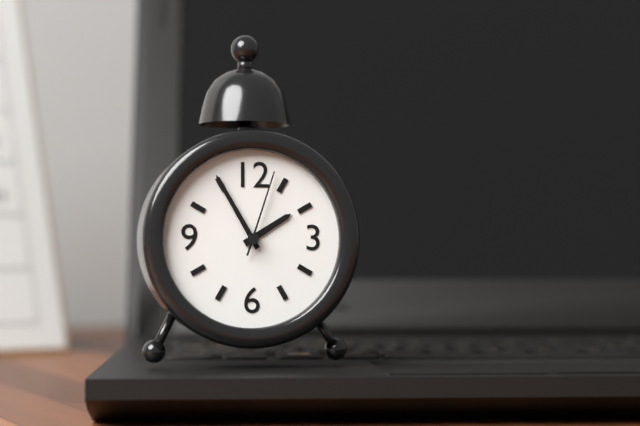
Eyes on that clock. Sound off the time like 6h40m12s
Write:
1h55m03s
